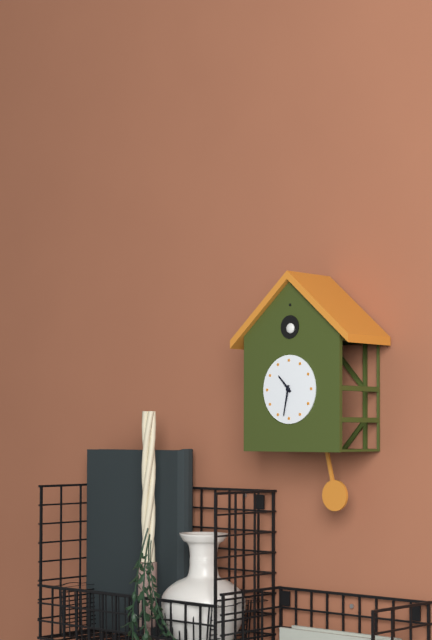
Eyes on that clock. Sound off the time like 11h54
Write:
10h32
